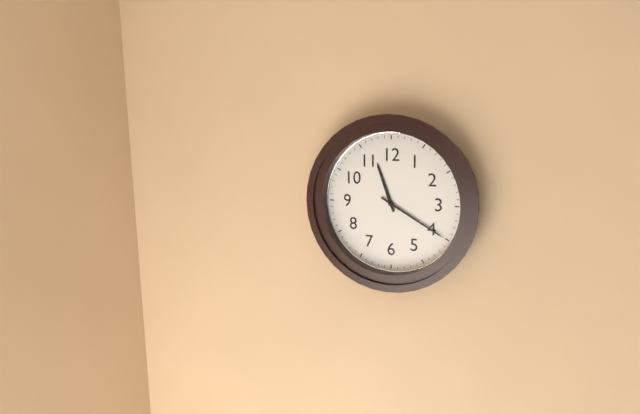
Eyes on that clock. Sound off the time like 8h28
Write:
11h20
